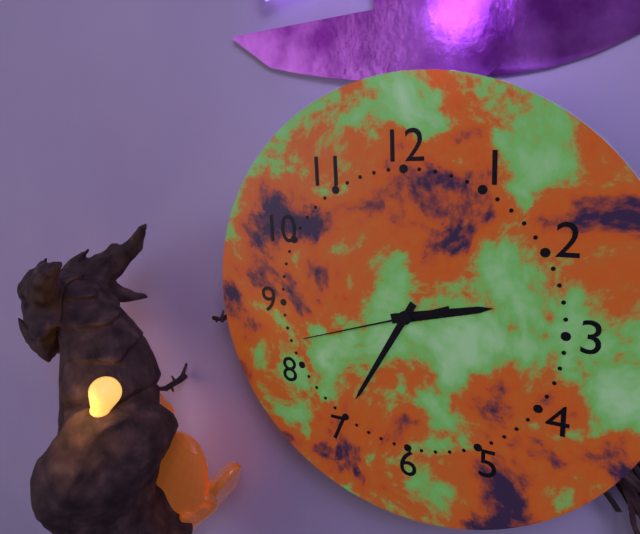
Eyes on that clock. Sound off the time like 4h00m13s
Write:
2h35m42s
